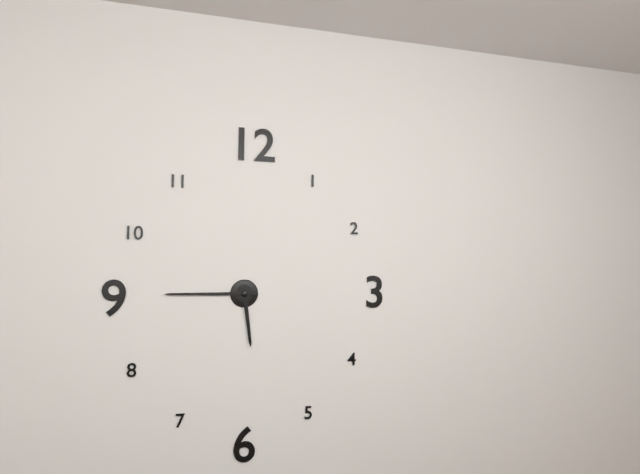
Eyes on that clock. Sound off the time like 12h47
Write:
5h45
